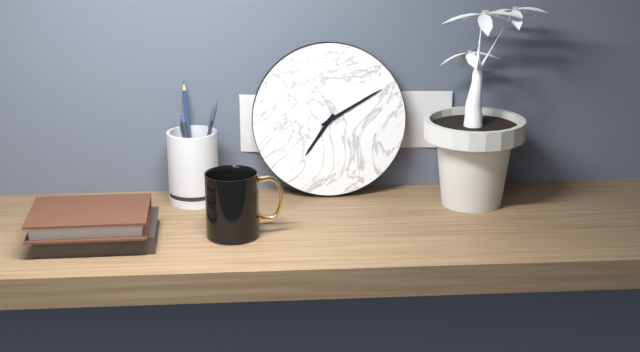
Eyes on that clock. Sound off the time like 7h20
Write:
7h10
